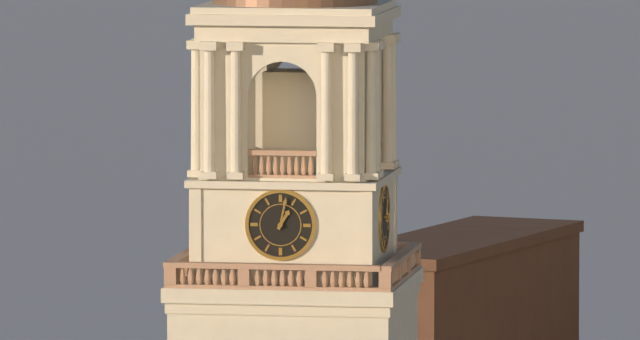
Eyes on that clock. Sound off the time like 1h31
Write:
1h02
